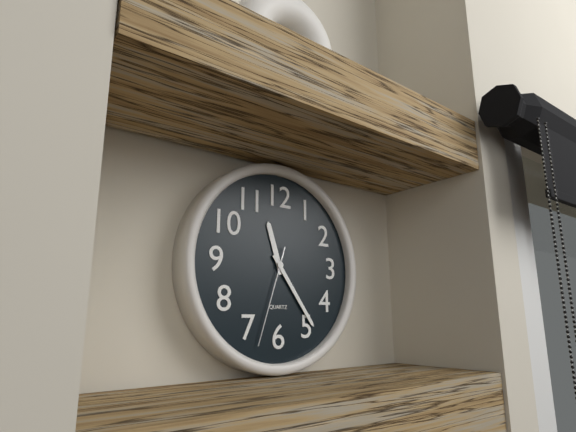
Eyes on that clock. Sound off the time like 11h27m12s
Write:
11h24m33s
